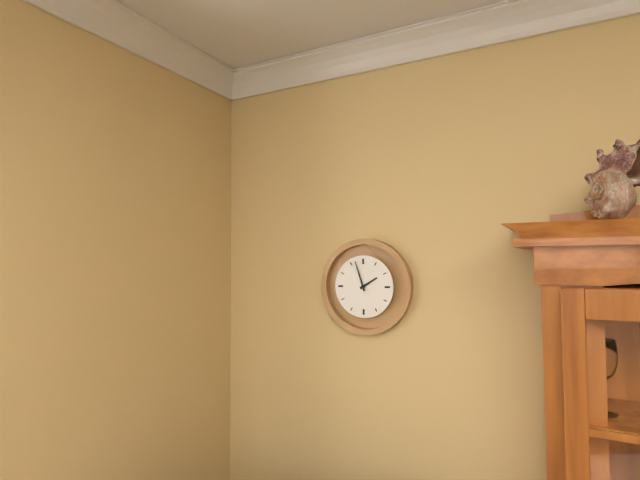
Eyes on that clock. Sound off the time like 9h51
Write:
1h57
